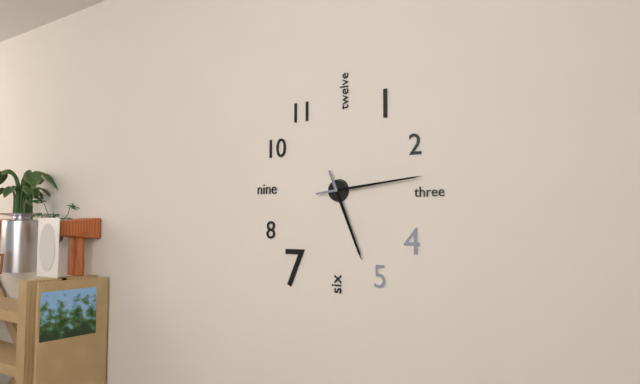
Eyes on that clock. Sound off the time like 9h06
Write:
5h14
